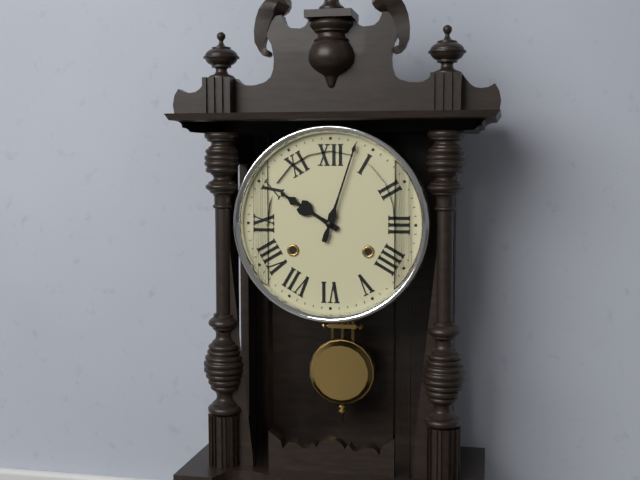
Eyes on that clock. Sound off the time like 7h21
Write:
10h03
